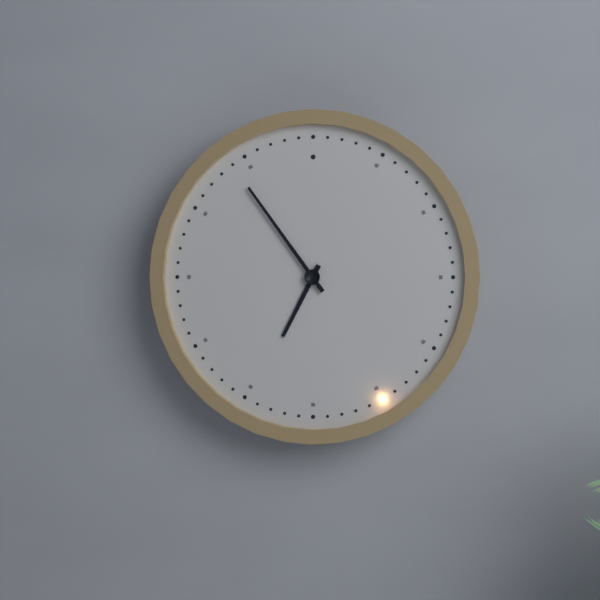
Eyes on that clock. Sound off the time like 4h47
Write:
6h54
